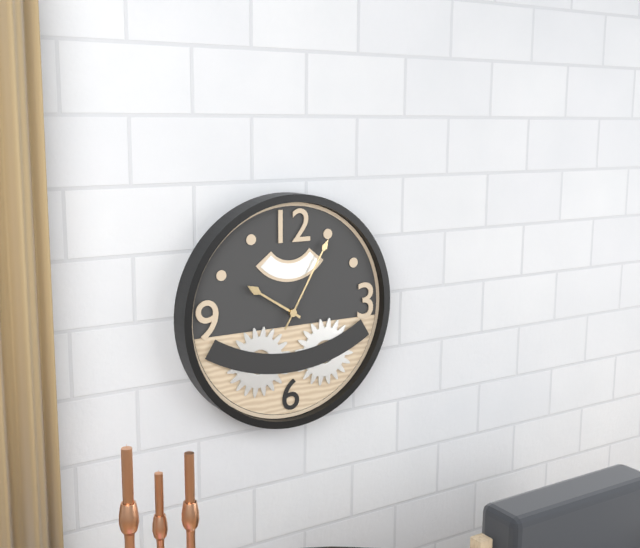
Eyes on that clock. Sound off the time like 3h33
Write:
10h05
